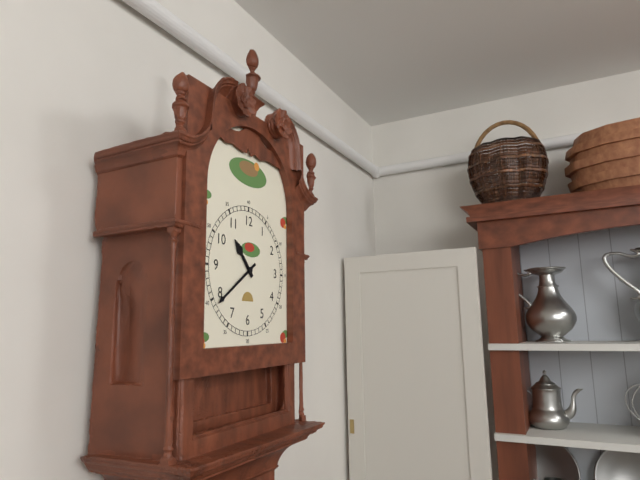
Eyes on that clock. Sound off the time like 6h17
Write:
10h39
